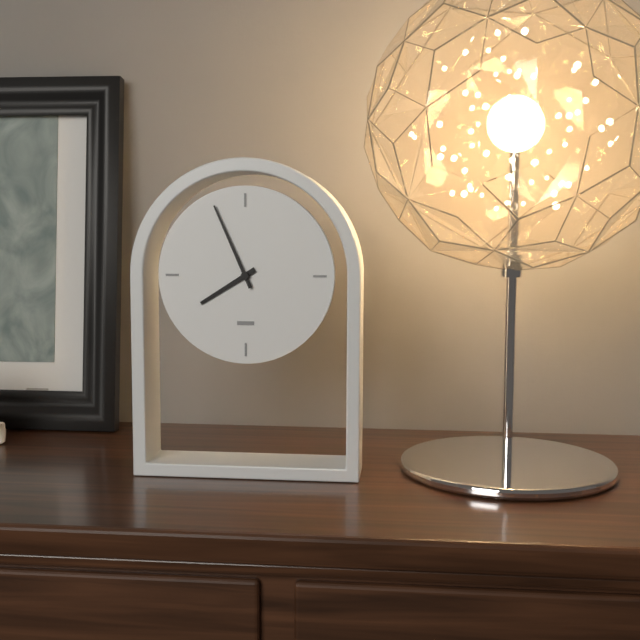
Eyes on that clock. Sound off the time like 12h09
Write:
7h56
